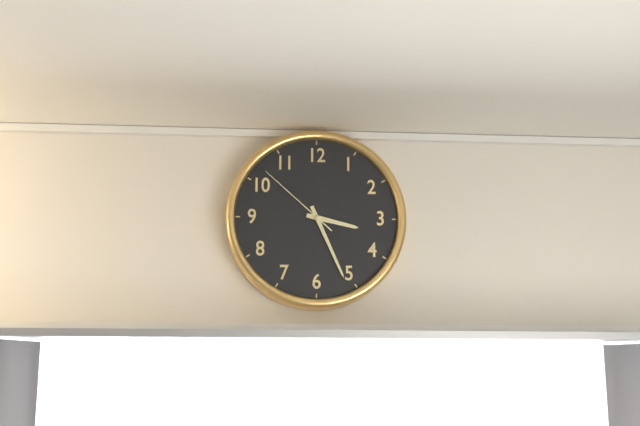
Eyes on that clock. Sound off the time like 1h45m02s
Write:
3h26m52s
